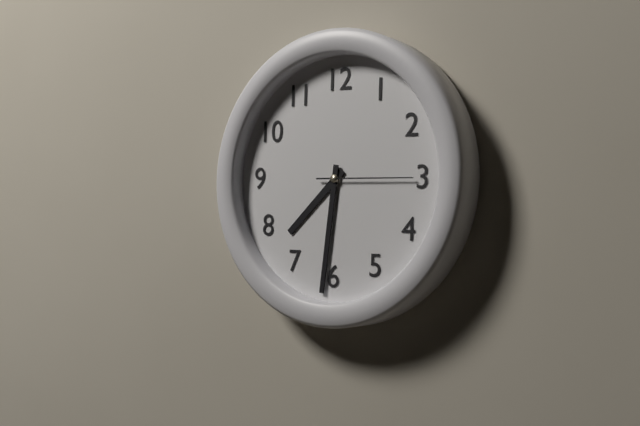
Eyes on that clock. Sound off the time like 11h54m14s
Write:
7h31m15s
